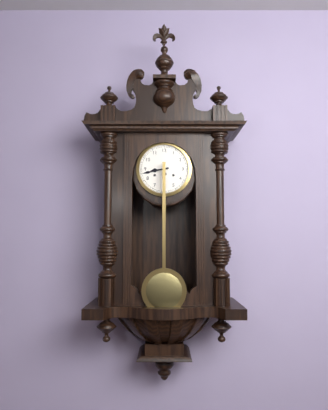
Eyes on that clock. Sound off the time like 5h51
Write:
8h43
